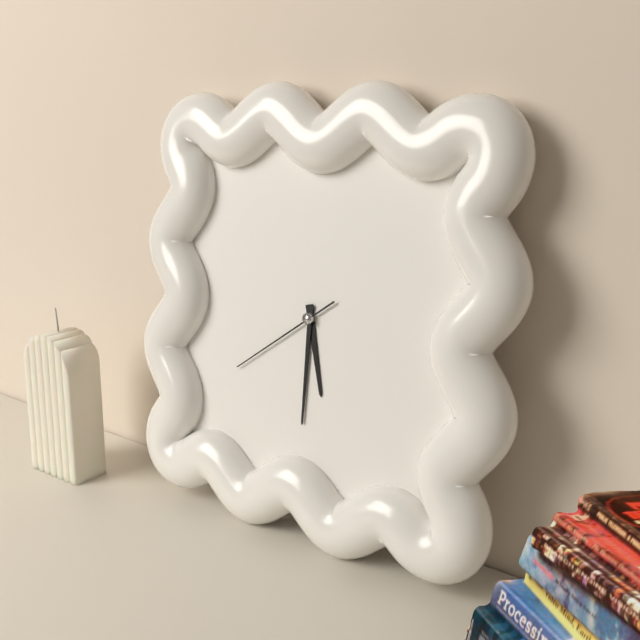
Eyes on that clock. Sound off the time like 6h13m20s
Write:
5h30m39s
